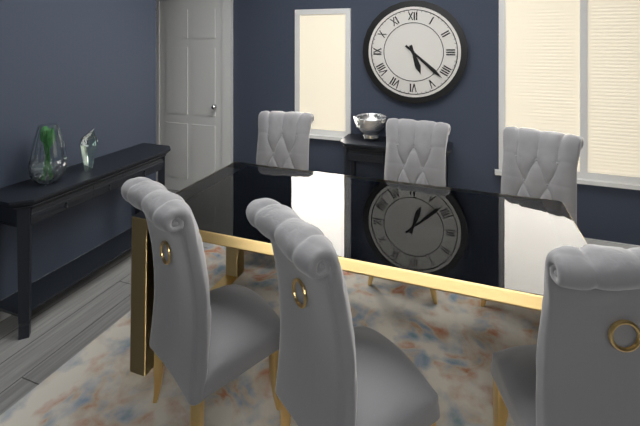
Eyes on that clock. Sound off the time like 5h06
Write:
5h22
